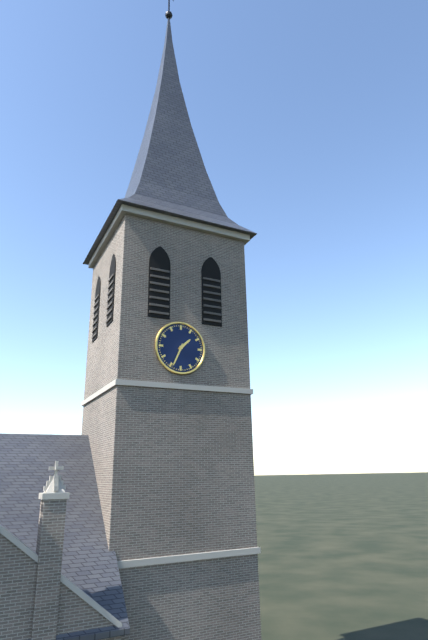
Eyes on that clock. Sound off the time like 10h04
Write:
1h34
